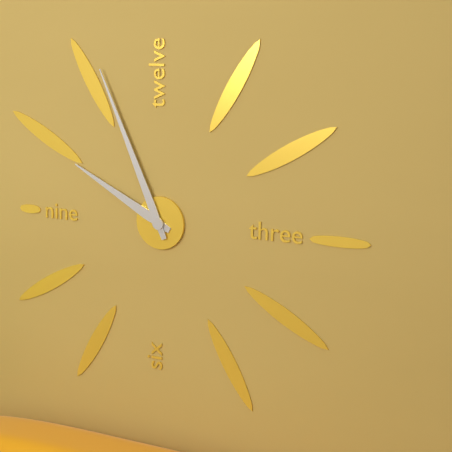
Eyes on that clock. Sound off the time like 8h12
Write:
9h56
